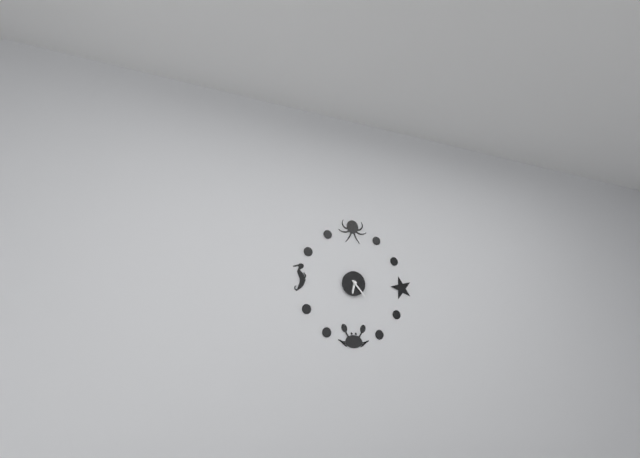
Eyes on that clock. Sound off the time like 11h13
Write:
6h23
